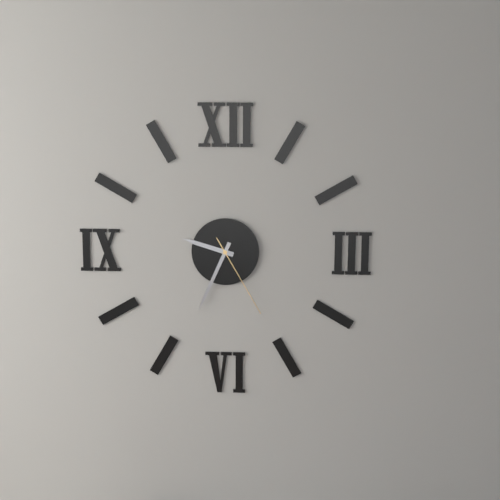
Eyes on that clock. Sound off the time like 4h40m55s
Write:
9h34m25s
